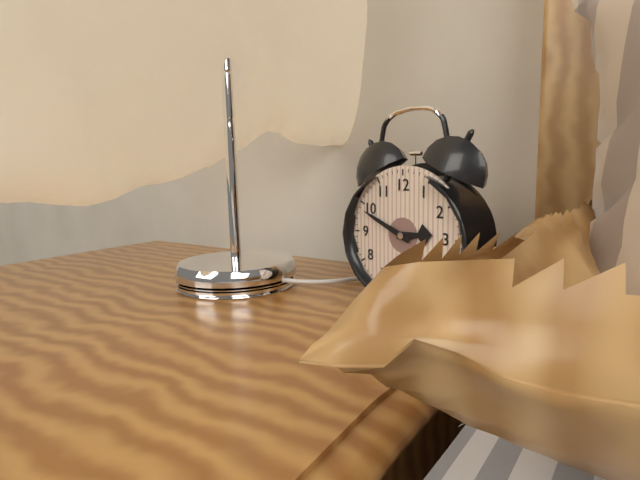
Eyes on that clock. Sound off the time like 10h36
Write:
2h49
